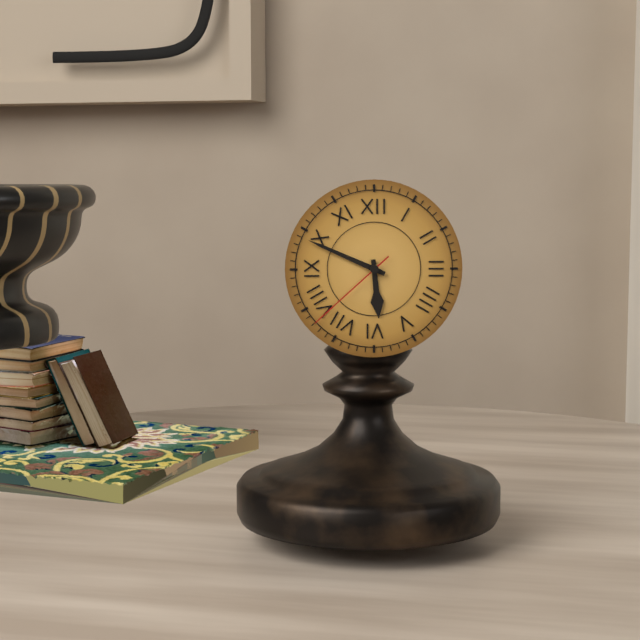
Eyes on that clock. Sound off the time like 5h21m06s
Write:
5h49m38s
